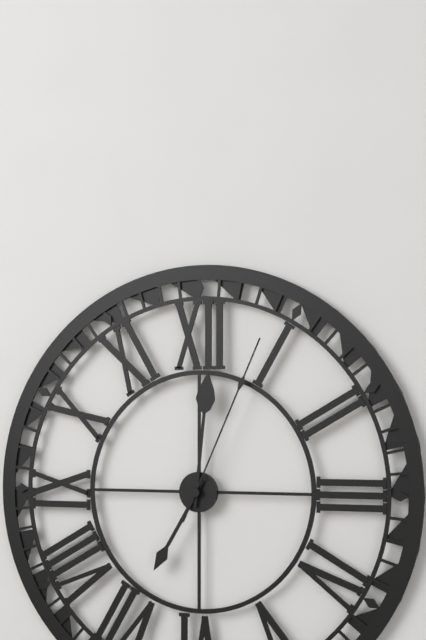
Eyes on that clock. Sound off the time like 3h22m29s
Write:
7h01m04s
